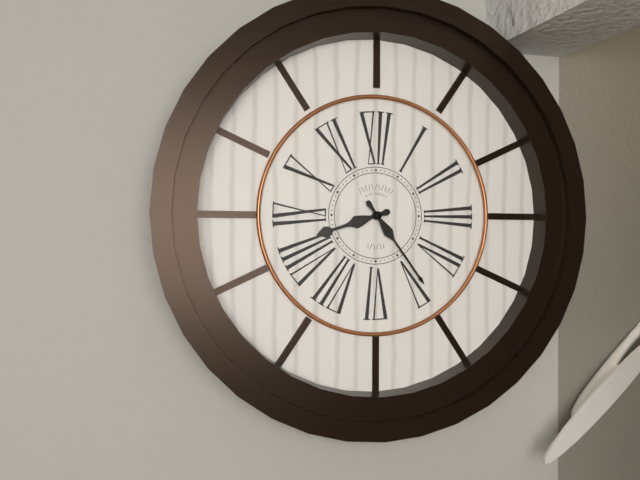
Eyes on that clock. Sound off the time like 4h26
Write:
8h24
